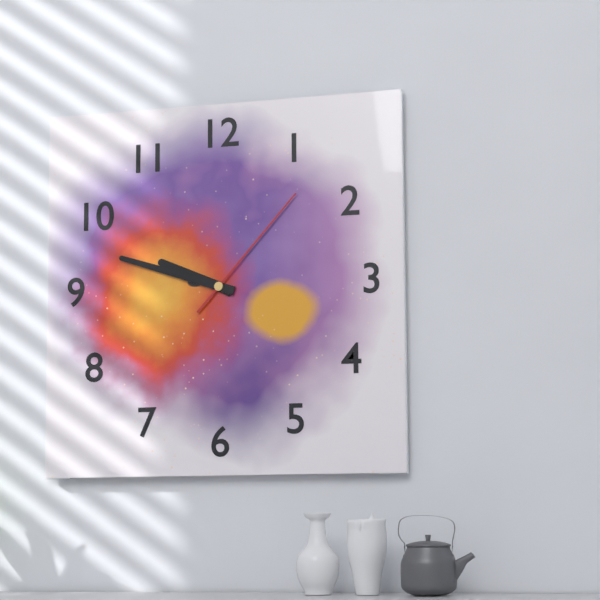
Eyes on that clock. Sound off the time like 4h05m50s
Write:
9h48m07s
